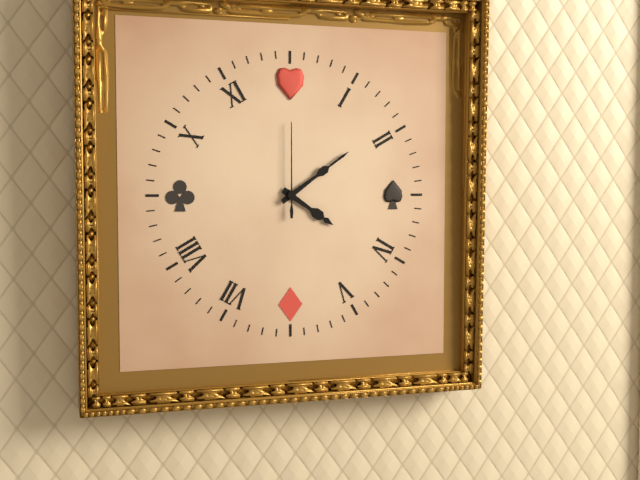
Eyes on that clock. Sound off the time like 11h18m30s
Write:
4h09m00s
